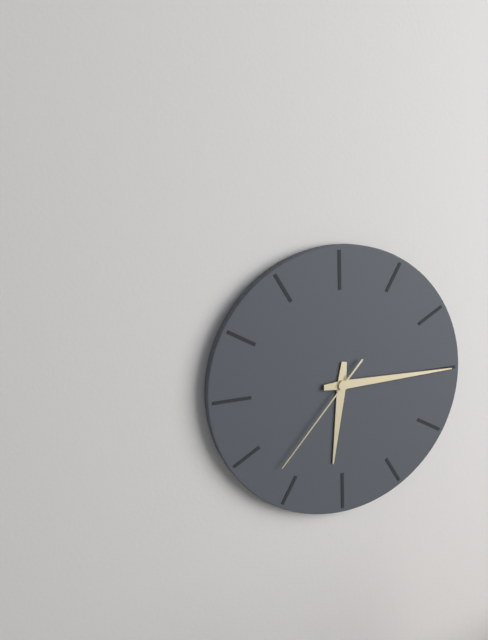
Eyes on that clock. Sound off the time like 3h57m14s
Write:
6h15m37s
